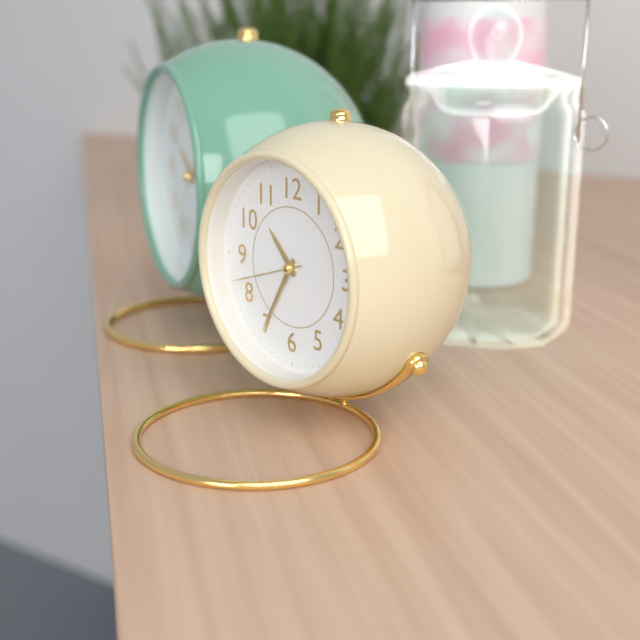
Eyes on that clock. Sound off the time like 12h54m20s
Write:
10h35m42s
